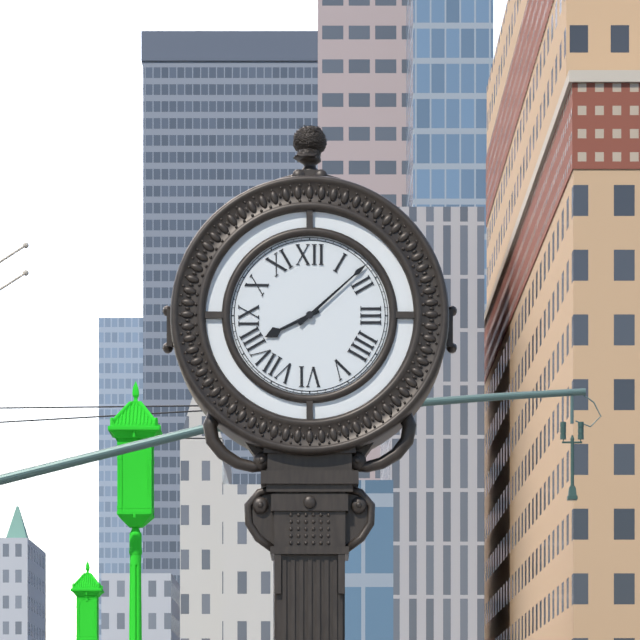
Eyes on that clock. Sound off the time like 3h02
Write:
8h08
